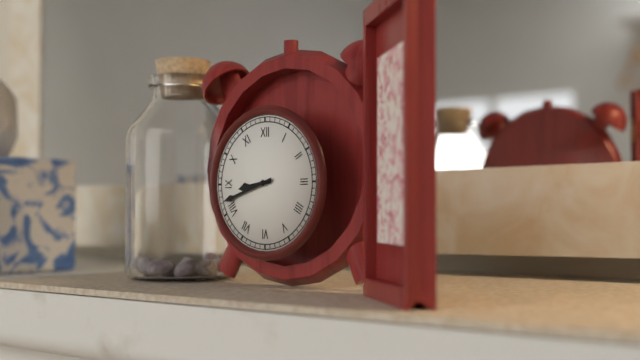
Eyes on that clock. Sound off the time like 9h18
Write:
8h42
